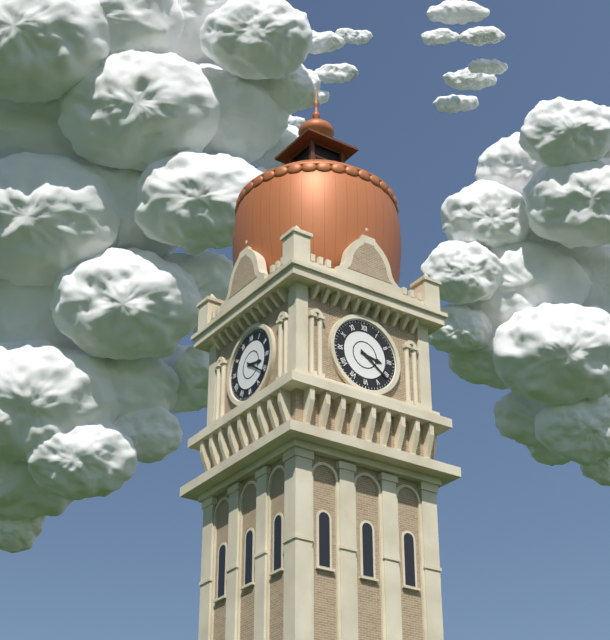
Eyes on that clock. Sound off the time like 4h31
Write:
3h21
